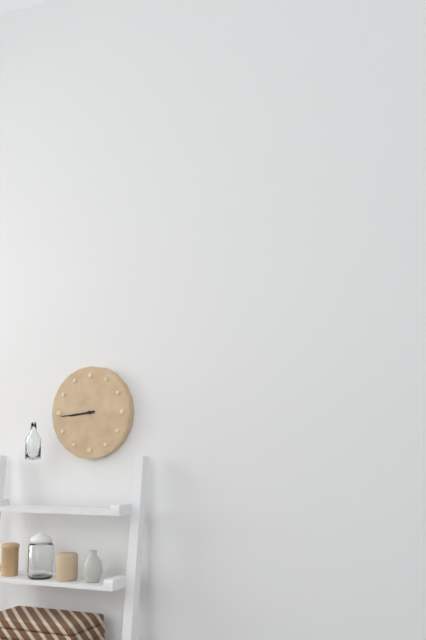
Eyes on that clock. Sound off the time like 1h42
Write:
8h44
